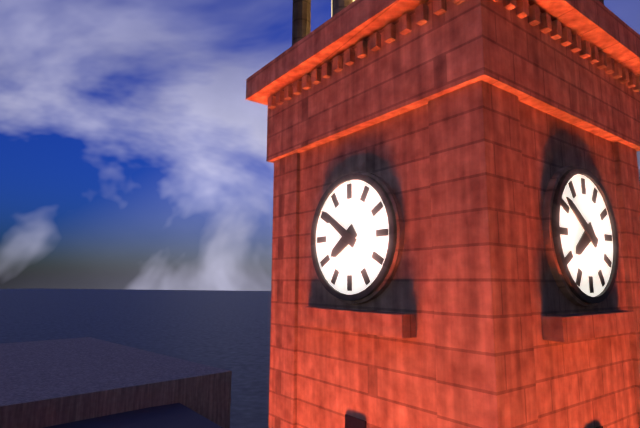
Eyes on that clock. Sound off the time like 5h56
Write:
7h51
